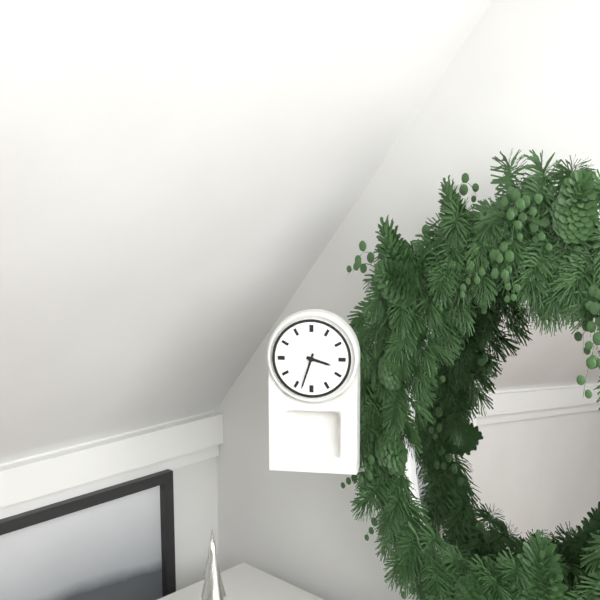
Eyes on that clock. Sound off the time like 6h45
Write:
3h33
